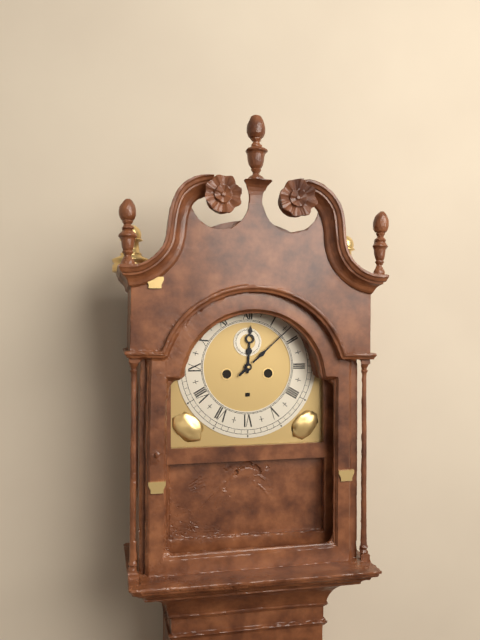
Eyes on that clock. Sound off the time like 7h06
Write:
12h08
